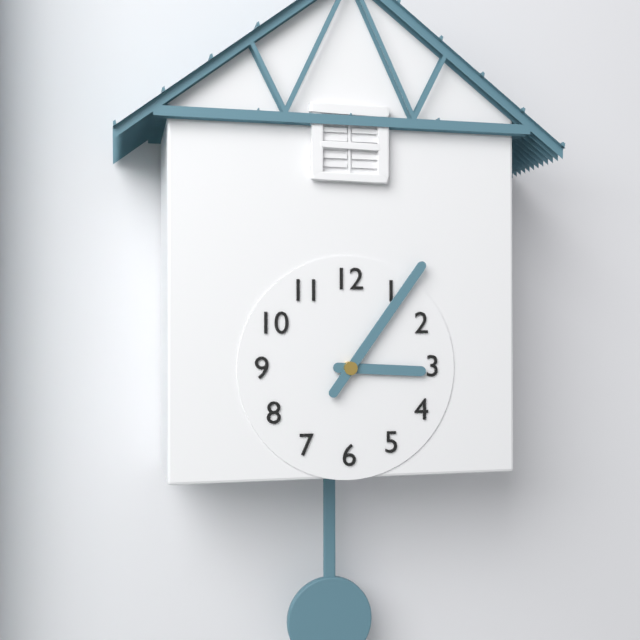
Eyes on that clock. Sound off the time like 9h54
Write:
3h06
